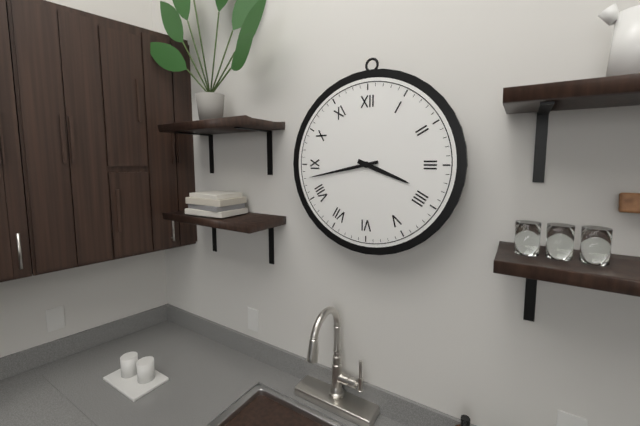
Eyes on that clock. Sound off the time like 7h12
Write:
3h43
